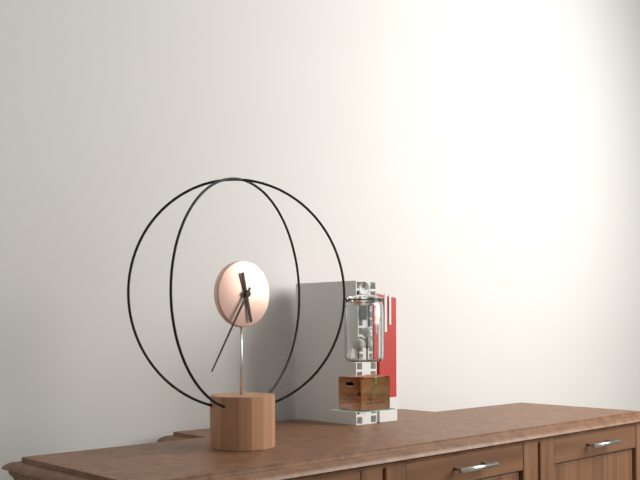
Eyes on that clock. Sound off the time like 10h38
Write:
5h35
